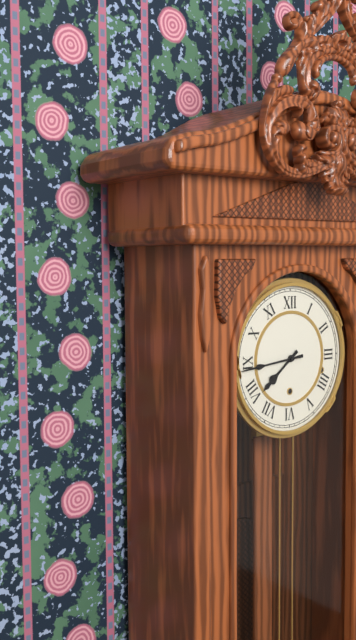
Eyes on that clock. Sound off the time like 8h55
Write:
7h44
